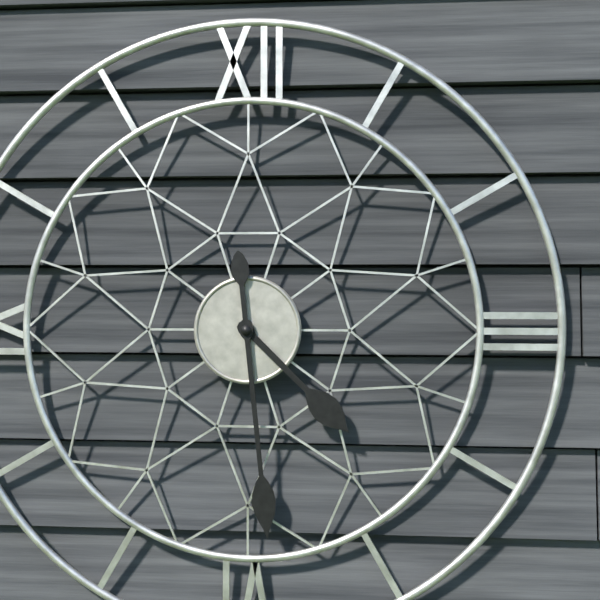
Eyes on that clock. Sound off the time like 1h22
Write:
4h29
